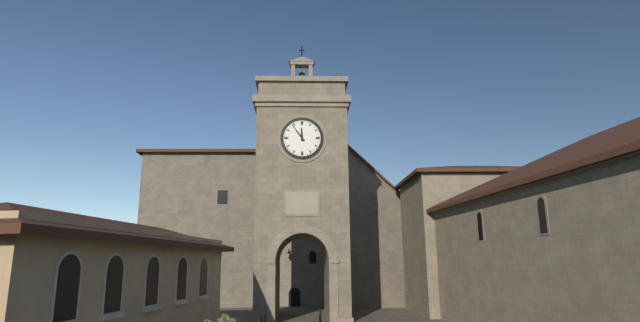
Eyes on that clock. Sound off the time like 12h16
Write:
11h54
